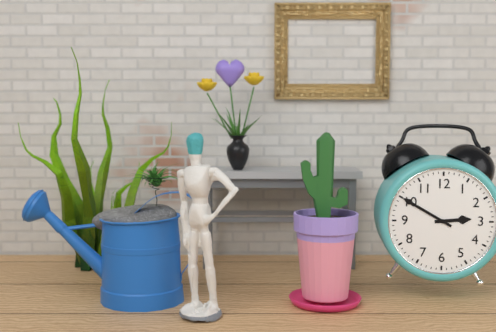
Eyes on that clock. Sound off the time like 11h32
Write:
2h50
